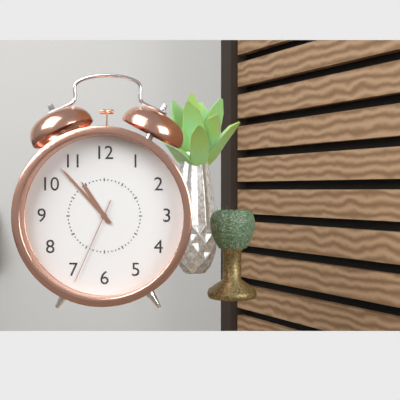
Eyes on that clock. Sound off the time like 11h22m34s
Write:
10h53m34s
